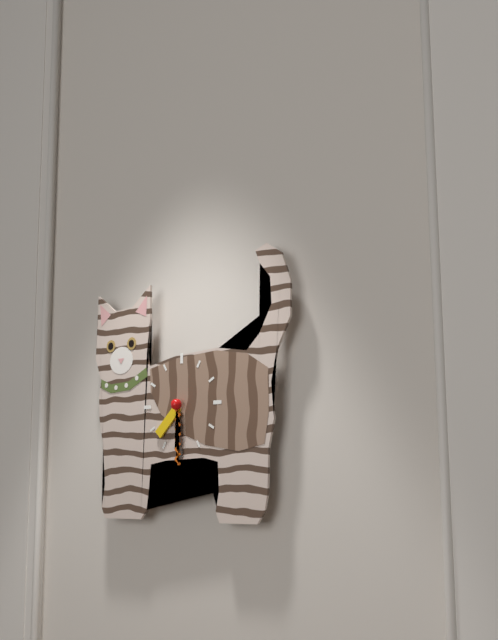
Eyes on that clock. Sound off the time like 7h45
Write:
7h30
